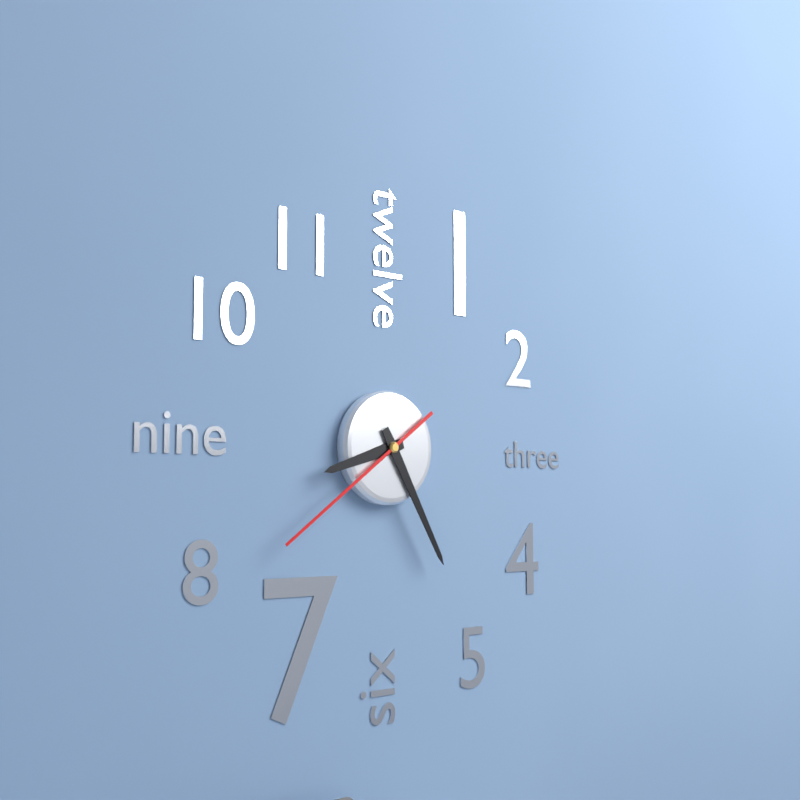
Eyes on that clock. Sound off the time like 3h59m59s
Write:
8h25m39s
